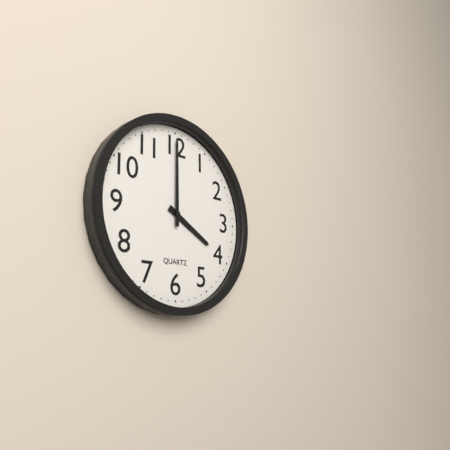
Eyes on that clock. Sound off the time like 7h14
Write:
4h00
